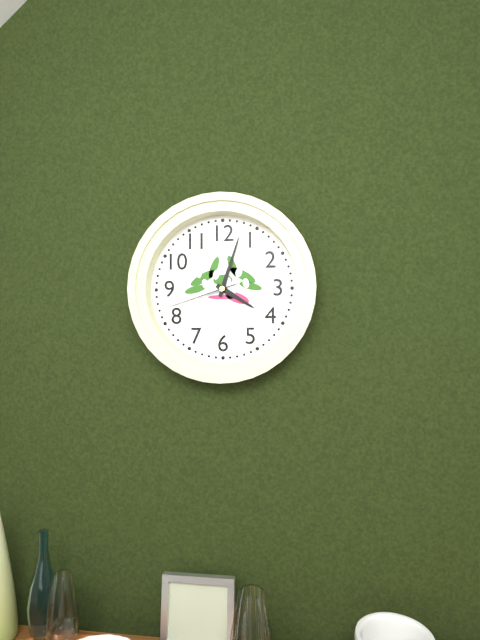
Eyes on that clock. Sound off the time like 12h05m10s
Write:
4h03m42s
